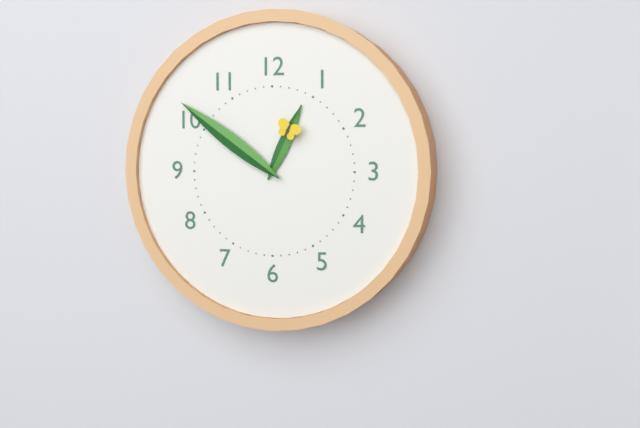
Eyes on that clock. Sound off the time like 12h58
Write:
12h51
